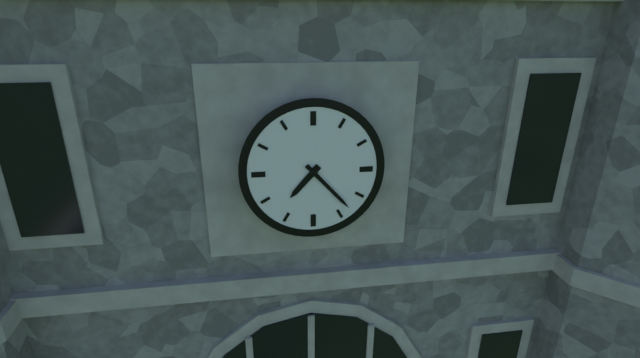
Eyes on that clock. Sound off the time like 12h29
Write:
7h23
